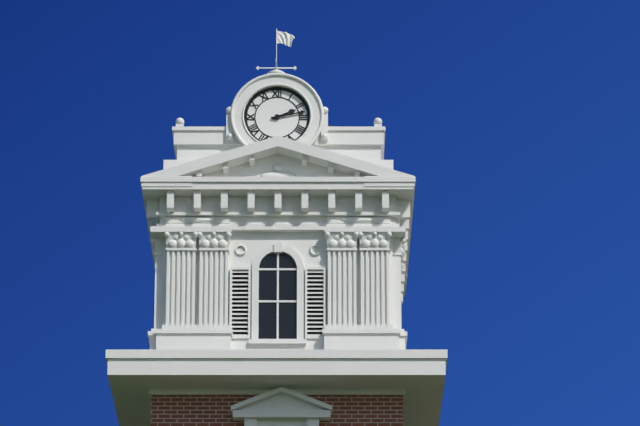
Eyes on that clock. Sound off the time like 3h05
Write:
2h13
